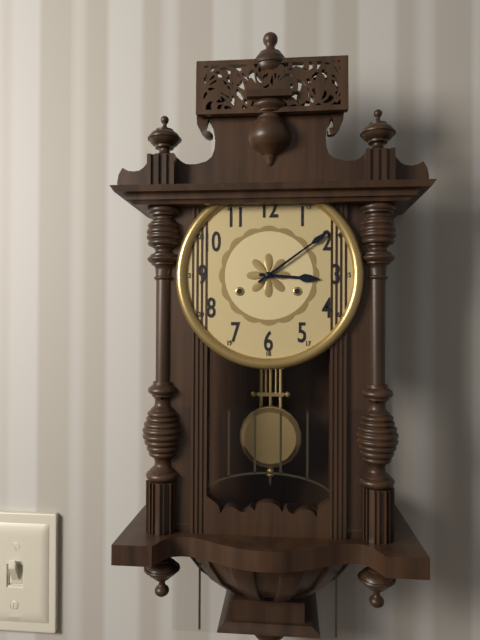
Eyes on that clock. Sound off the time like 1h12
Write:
3h09
